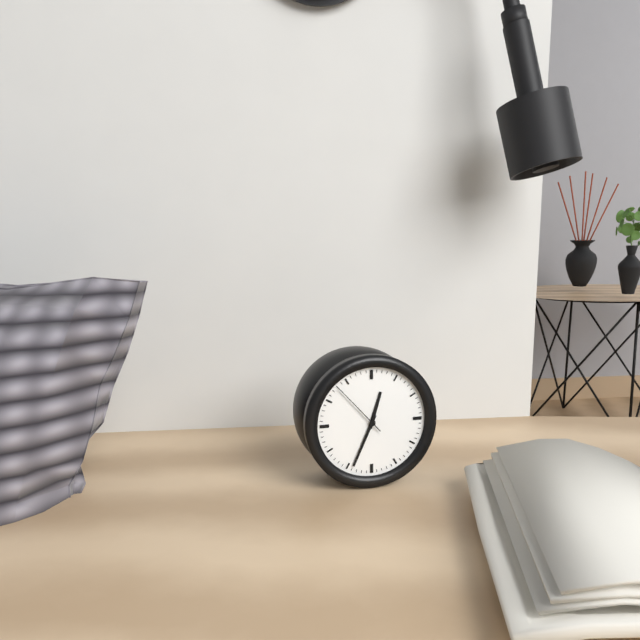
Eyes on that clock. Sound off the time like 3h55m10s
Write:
12h34m53s
